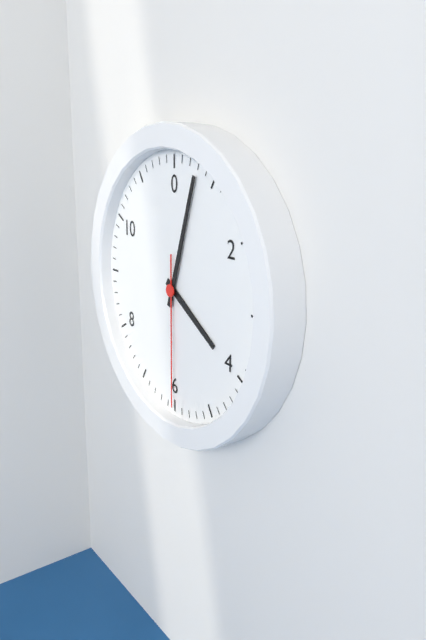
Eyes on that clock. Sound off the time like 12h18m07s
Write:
4h03m30s
